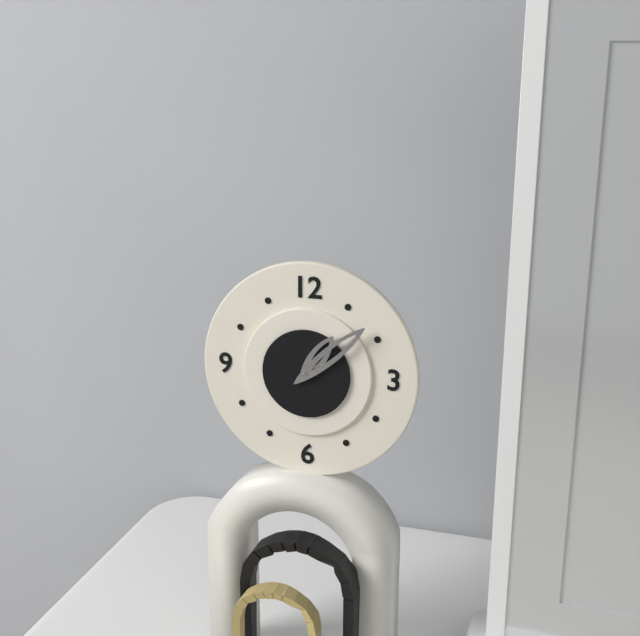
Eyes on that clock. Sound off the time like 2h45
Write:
1h08
